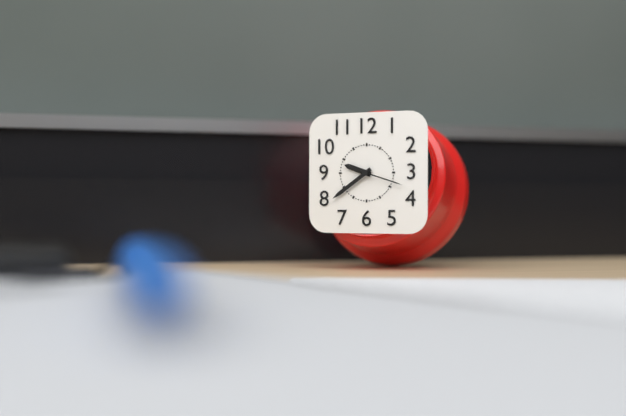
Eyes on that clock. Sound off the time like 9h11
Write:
9h39
